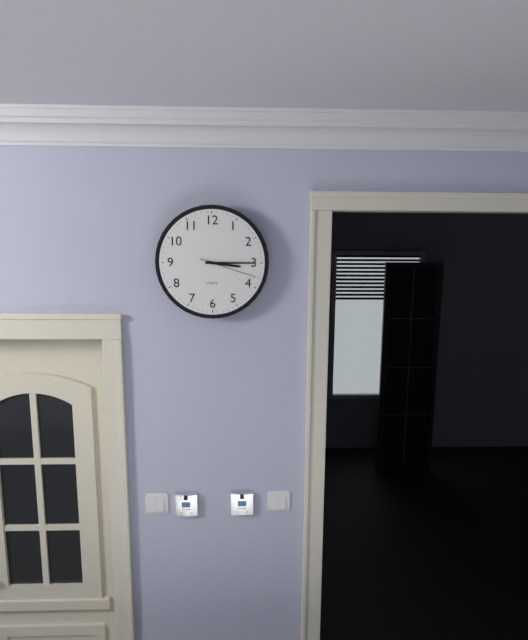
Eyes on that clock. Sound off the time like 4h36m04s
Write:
3h15m18s
